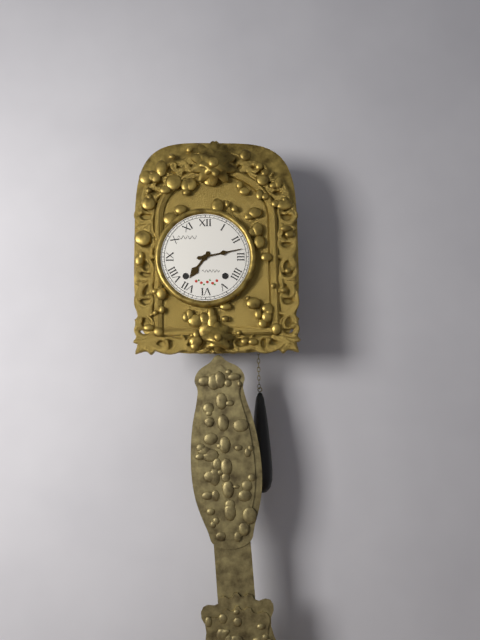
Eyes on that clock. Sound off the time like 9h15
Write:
7h13
